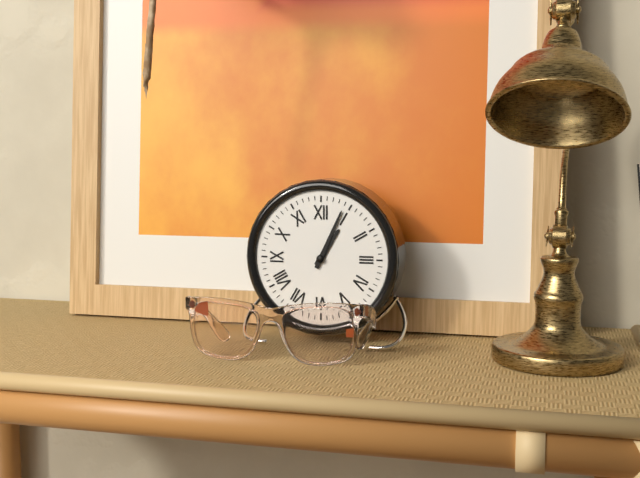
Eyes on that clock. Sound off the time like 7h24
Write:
1h04
